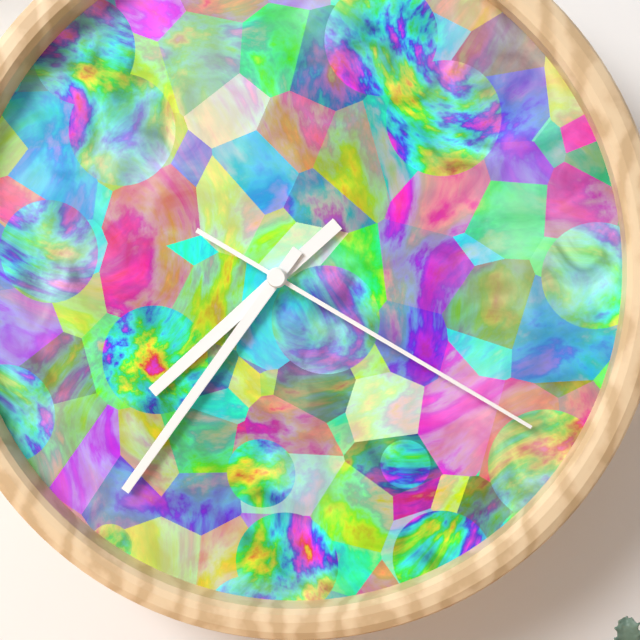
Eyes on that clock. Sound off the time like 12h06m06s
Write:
7h36m20s
